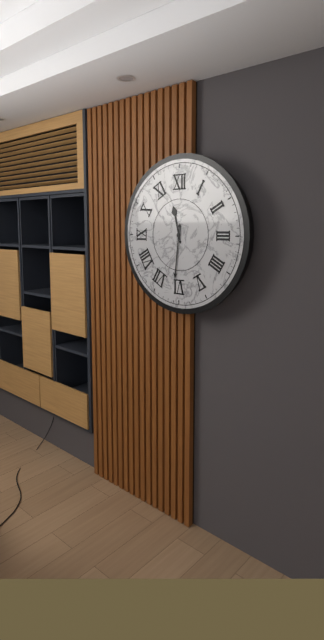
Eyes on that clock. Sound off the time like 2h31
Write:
11h31
